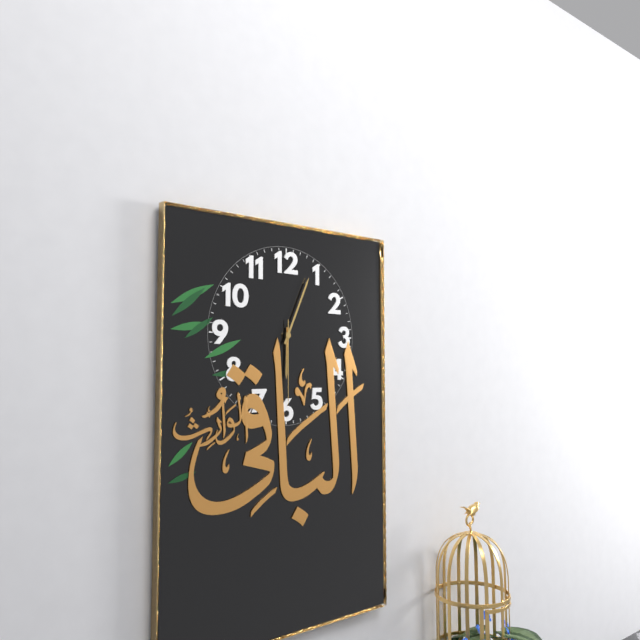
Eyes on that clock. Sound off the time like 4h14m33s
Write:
6h04m30s
